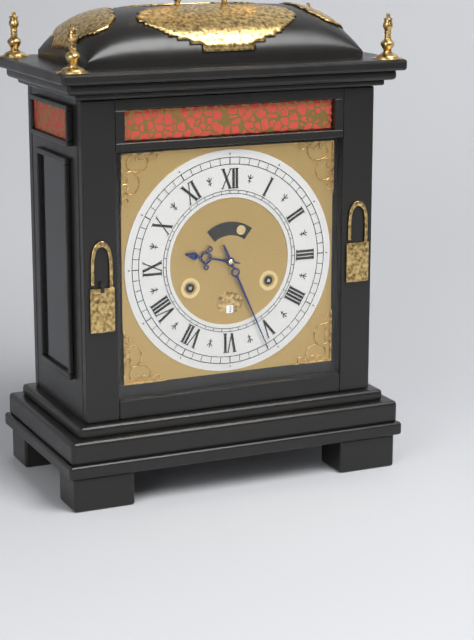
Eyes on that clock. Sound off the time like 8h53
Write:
9h26
